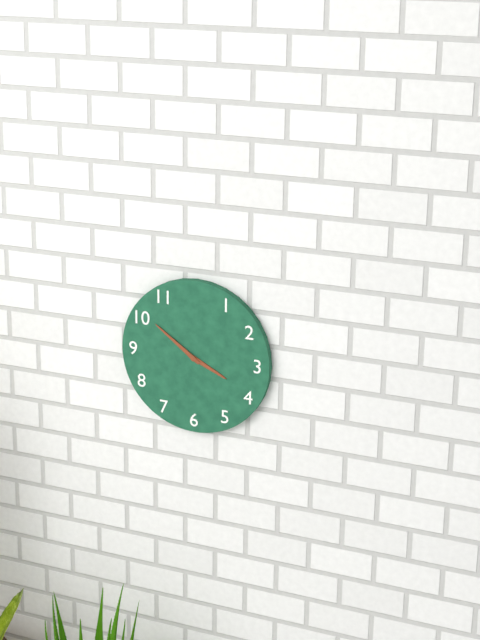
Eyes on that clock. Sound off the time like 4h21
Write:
3h51
